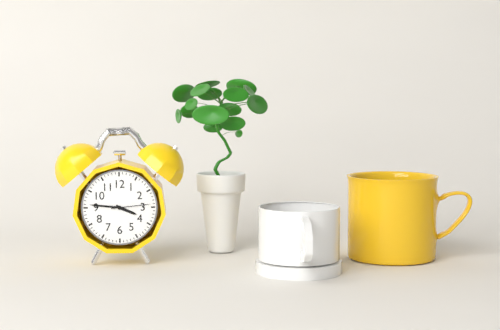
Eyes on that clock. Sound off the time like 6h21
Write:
3h46
